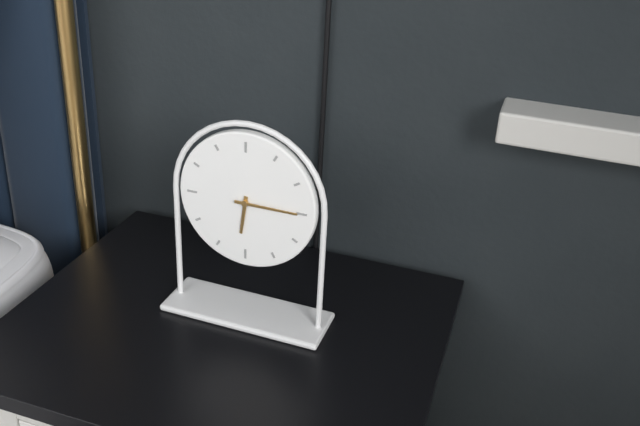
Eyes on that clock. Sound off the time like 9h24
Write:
6h15
